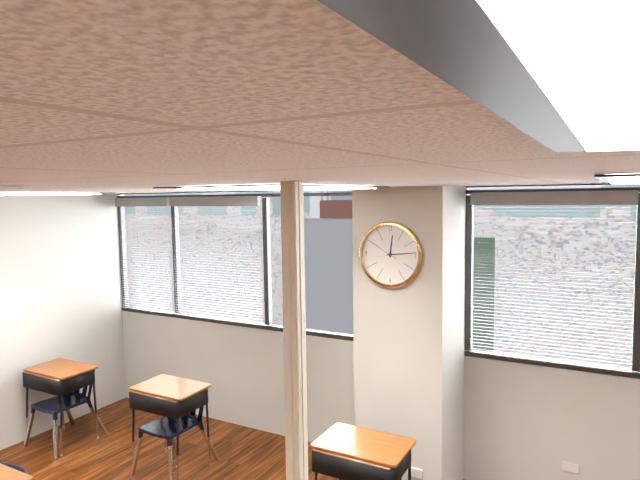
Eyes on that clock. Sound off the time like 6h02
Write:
12h14
